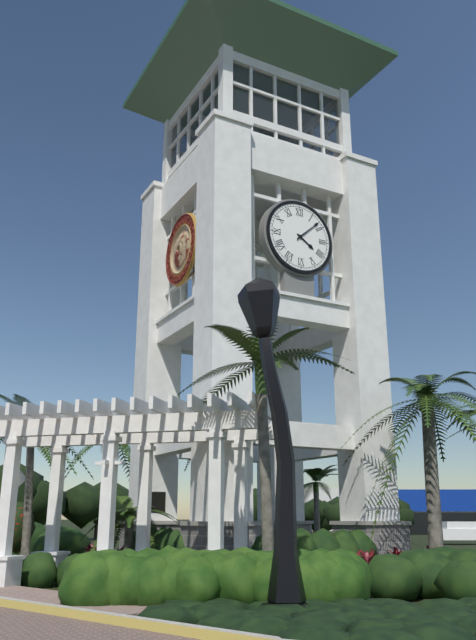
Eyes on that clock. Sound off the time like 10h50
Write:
4h08
